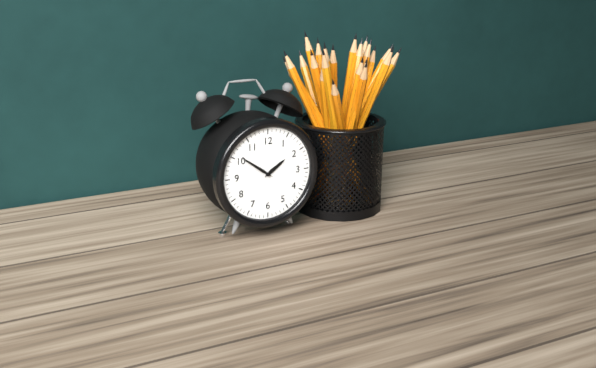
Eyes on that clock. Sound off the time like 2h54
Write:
1h51
